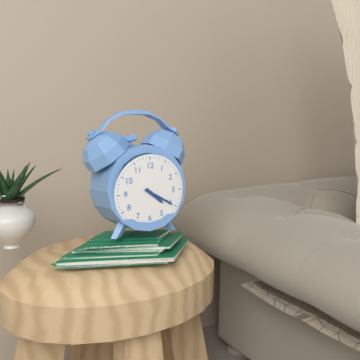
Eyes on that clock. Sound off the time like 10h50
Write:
4h20
